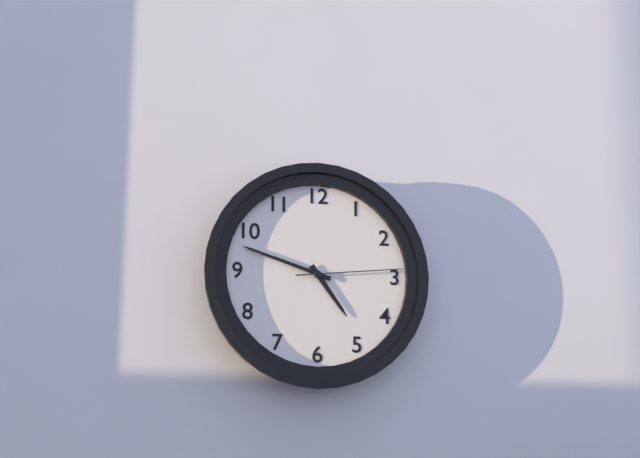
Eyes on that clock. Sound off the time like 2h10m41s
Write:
4h48m14s
